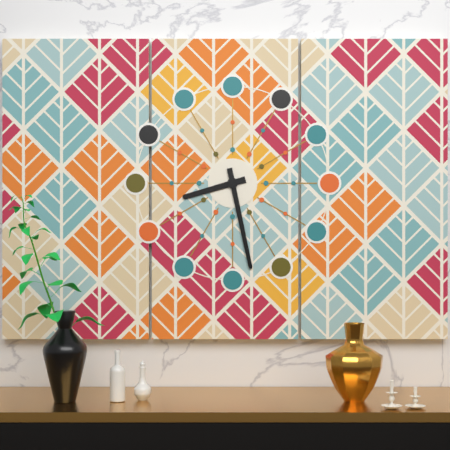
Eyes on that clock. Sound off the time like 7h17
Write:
8h28
